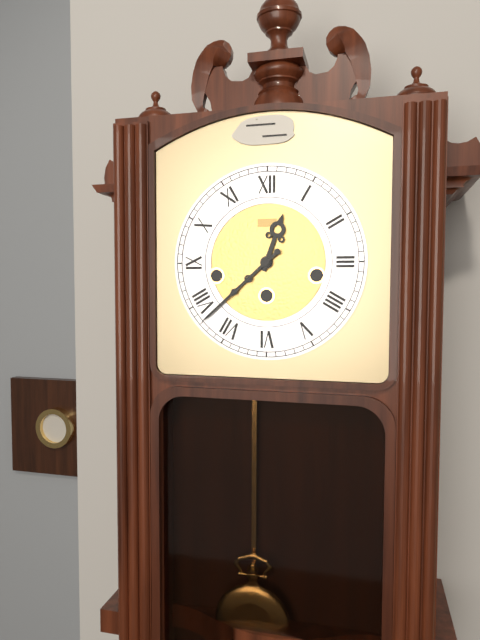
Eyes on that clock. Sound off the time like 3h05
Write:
12h38
